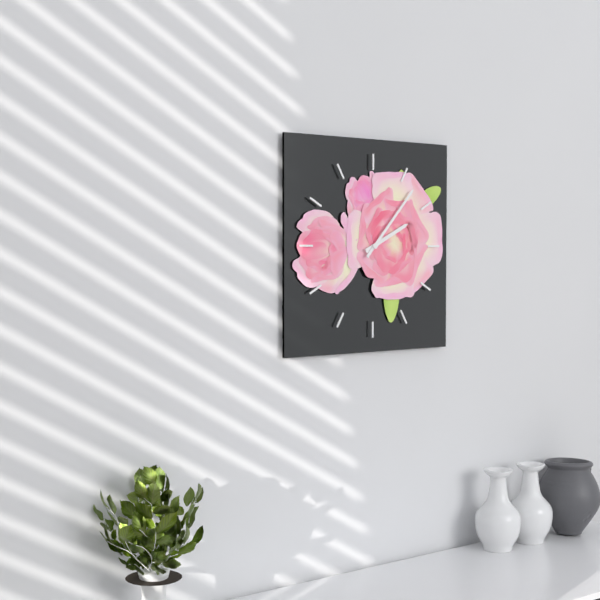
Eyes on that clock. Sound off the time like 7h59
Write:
2h07
